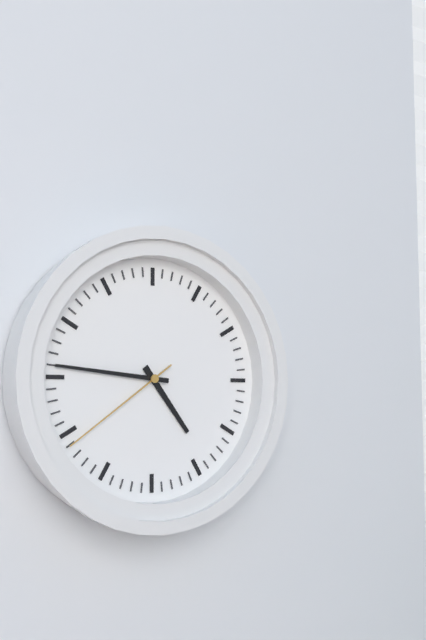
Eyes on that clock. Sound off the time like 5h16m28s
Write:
4h46m39s
